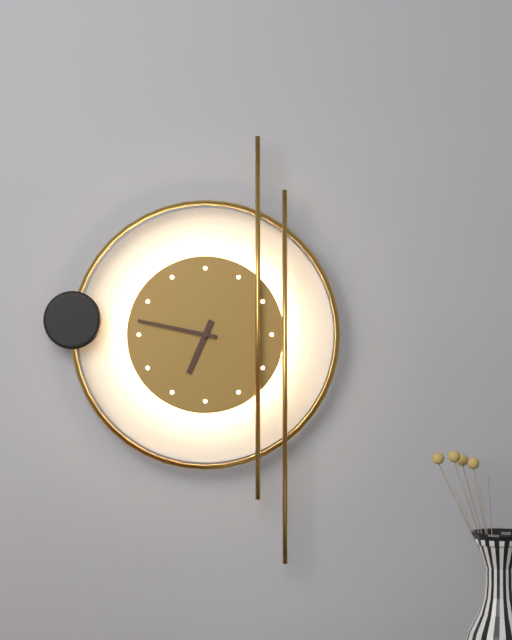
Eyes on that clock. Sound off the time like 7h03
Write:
6h47
